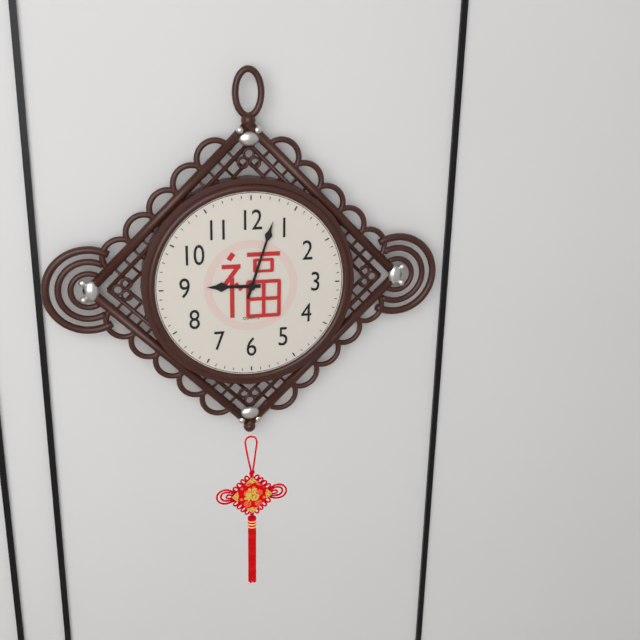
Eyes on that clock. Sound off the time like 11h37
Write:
9h03
